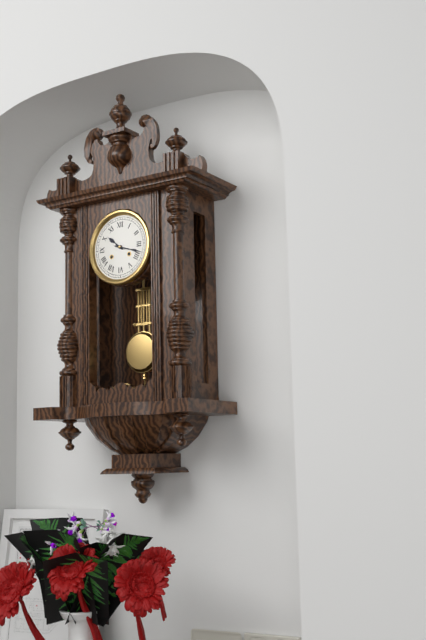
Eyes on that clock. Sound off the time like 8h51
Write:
10h18
